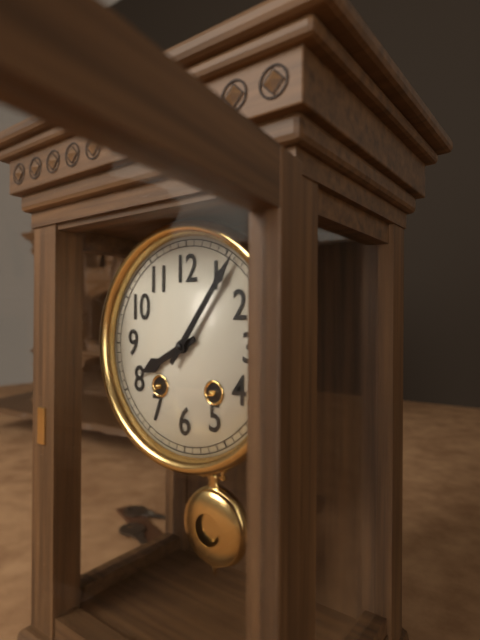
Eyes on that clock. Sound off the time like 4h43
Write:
8h06
